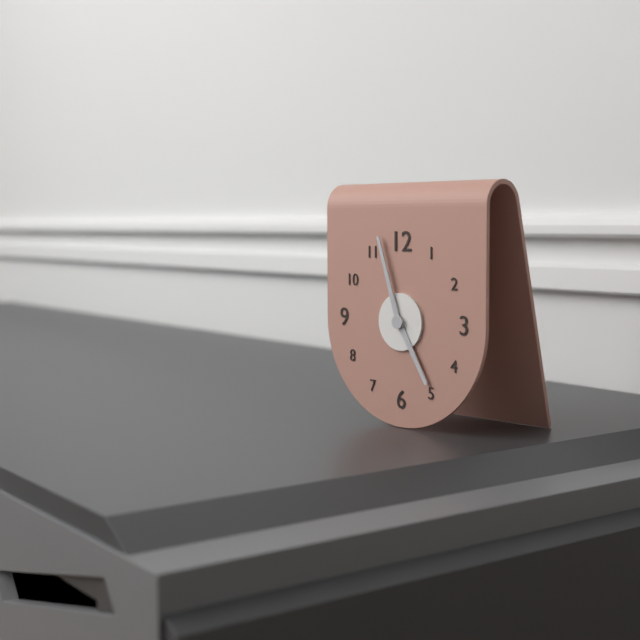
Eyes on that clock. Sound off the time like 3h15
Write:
4h57
